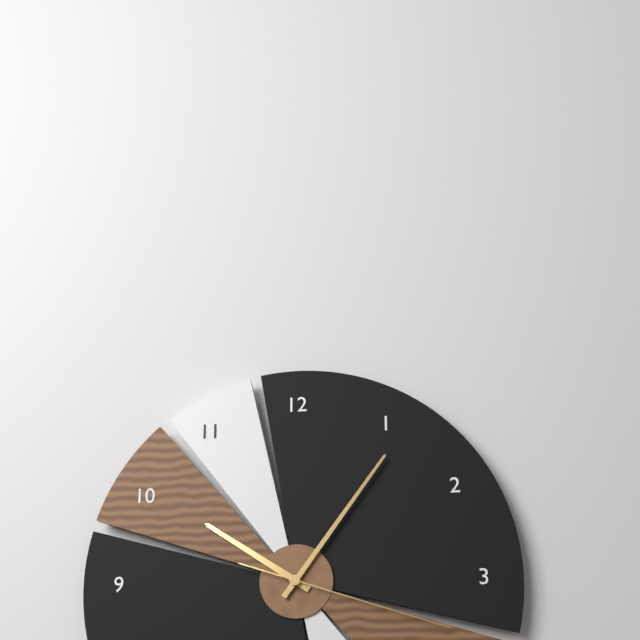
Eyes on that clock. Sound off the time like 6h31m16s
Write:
10h06m18s
